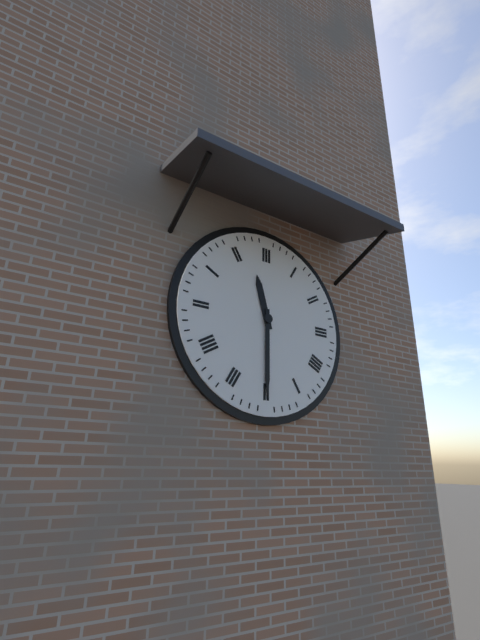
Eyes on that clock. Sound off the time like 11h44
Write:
11h30
